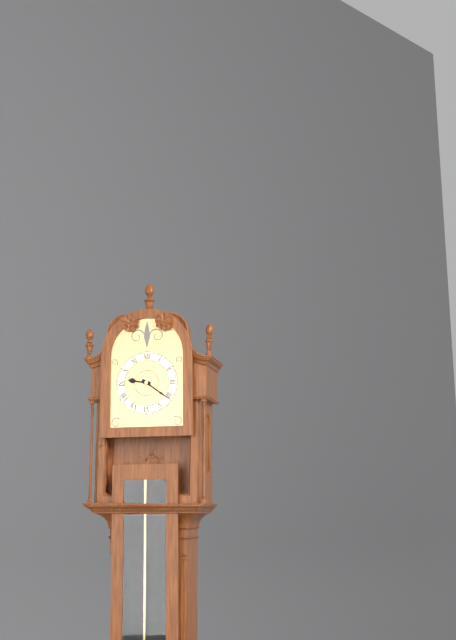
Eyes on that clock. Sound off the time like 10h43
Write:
9h21
